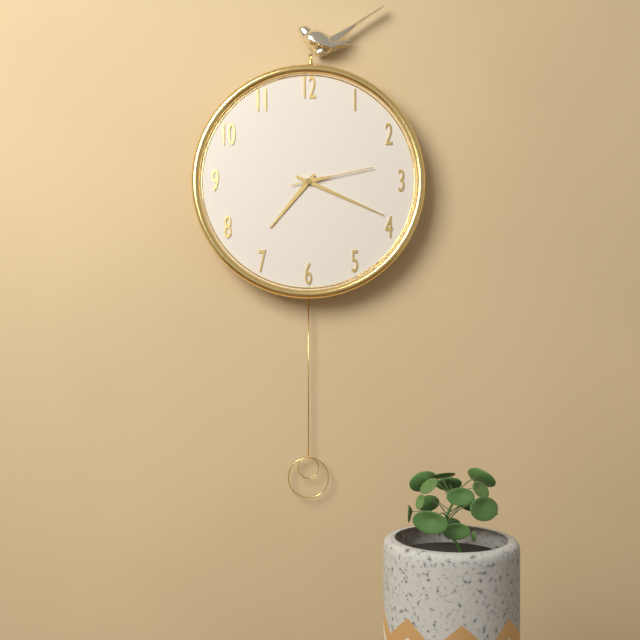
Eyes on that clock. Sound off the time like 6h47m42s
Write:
7h19m13s
